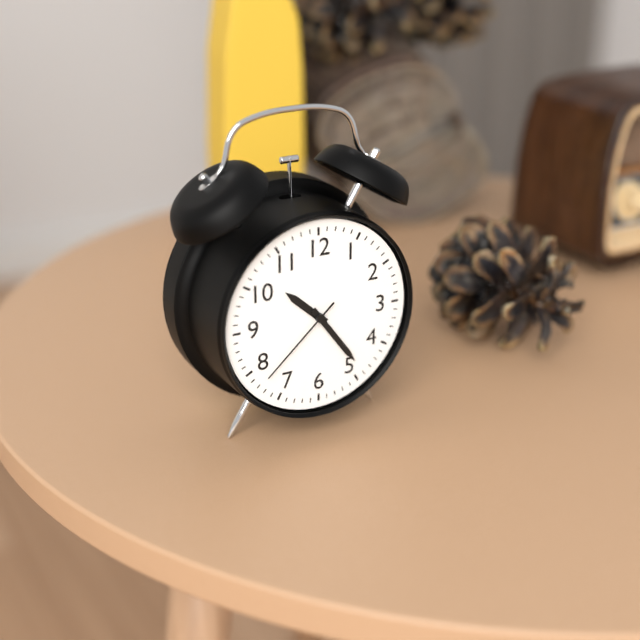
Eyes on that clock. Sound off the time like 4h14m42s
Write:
10h24m38s
